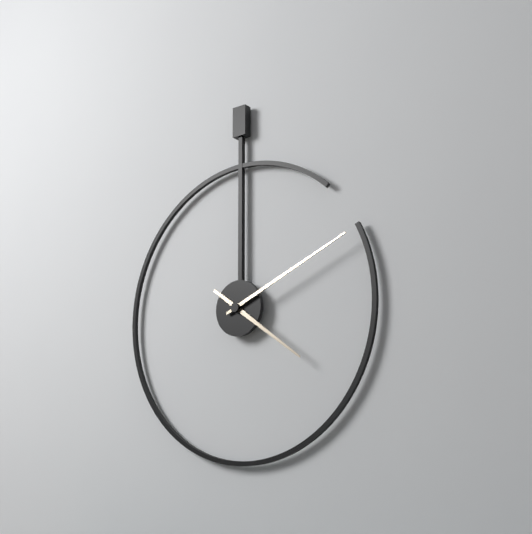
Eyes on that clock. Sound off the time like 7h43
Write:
4h11
